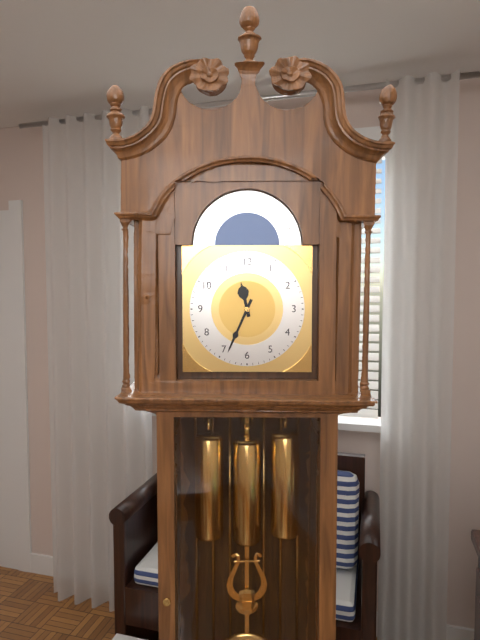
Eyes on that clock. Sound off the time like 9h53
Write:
11h34
